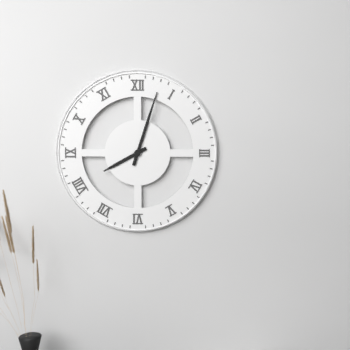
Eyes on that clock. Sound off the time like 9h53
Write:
8h03
